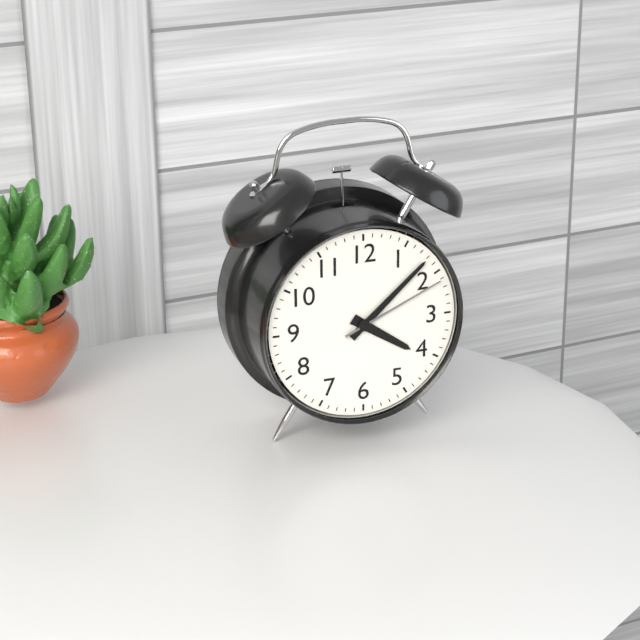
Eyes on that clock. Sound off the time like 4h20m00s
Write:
4h08m11s
